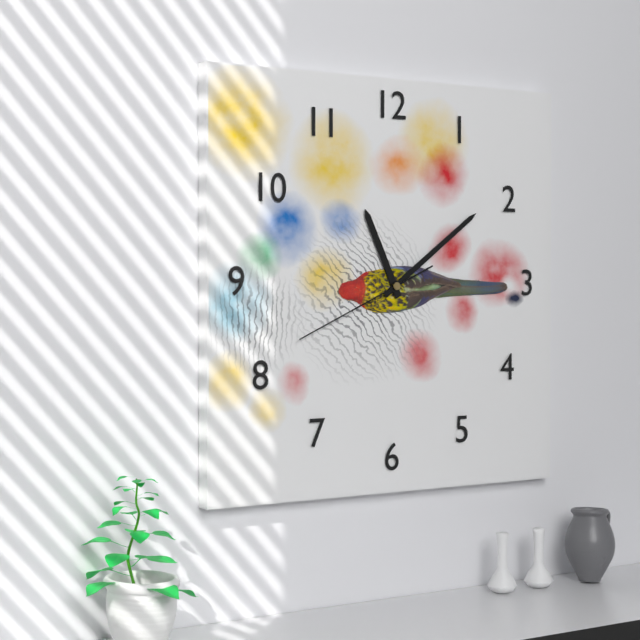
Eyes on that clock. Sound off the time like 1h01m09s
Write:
11h09m41s
